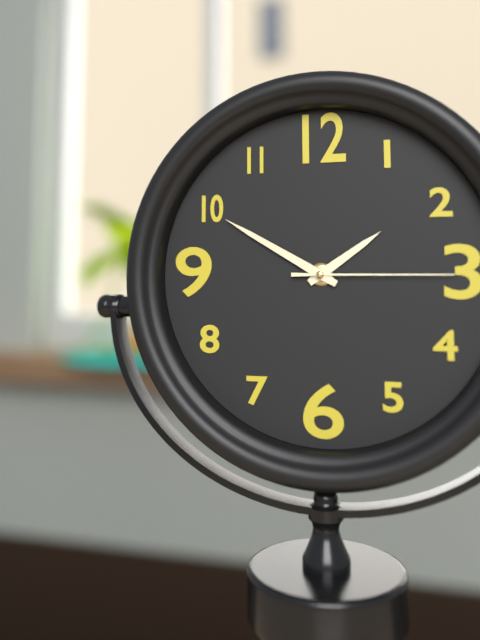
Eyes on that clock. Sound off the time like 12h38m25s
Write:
1h50m15s
